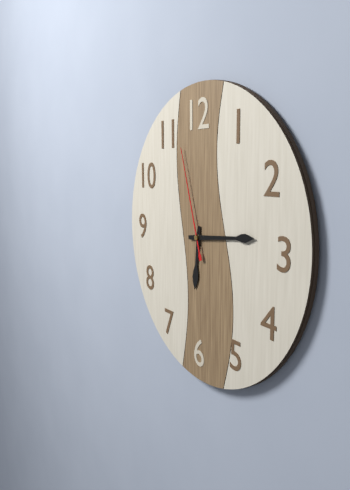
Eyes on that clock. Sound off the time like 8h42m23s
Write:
6h14m57s
